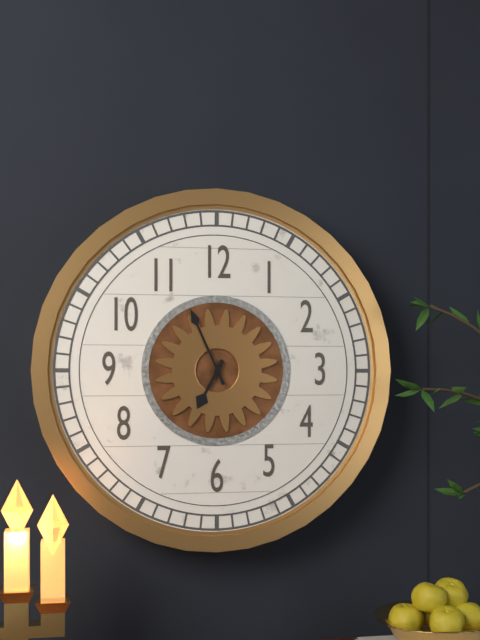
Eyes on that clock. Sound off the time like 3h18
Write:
6h56
